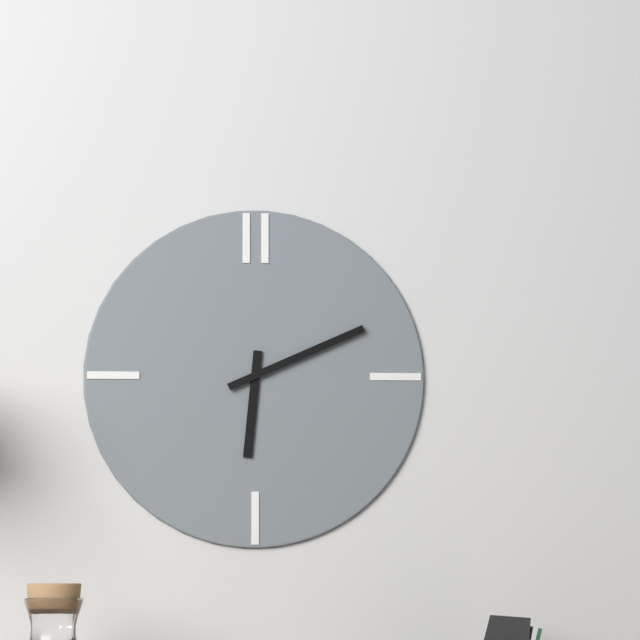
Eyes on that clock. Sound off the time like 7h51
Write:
6h11
